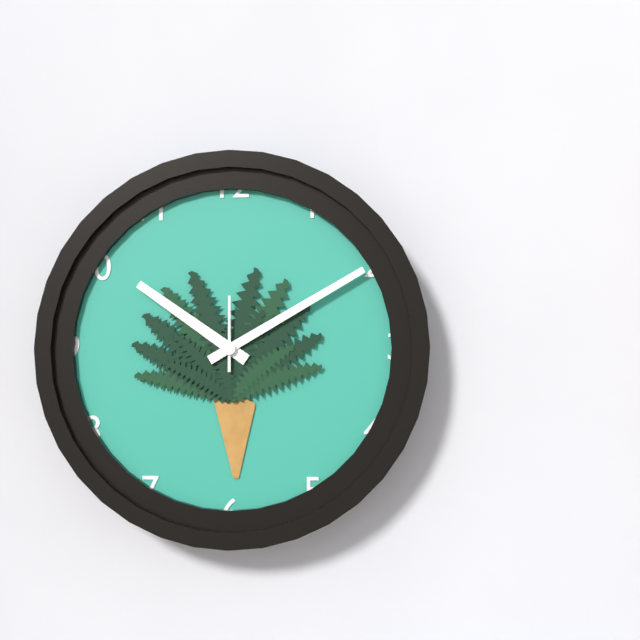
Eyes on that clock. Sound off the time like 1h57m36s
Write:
10h10m00s
